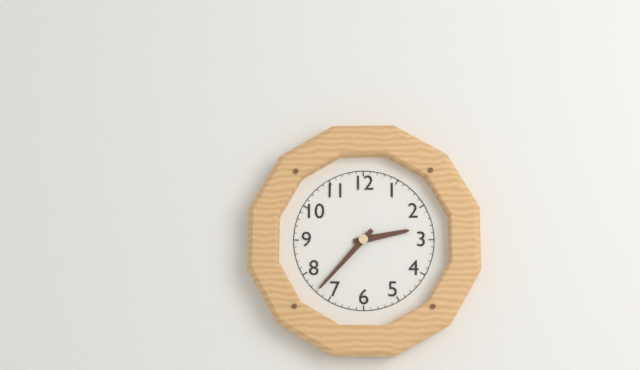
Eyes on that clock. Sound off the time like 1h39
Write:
2h37
